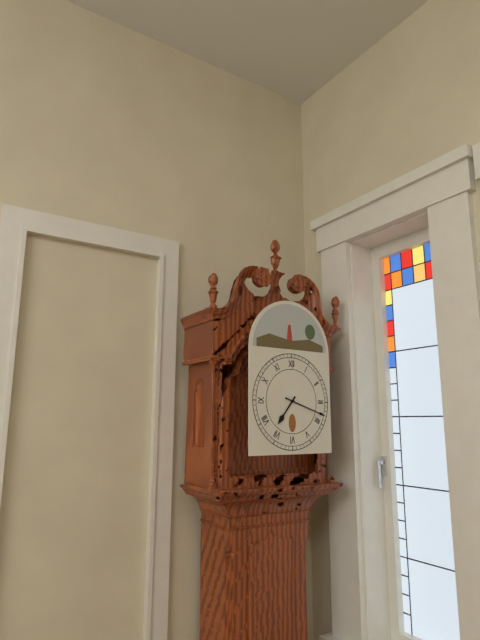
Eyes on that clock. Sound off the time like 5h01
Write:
7h18
